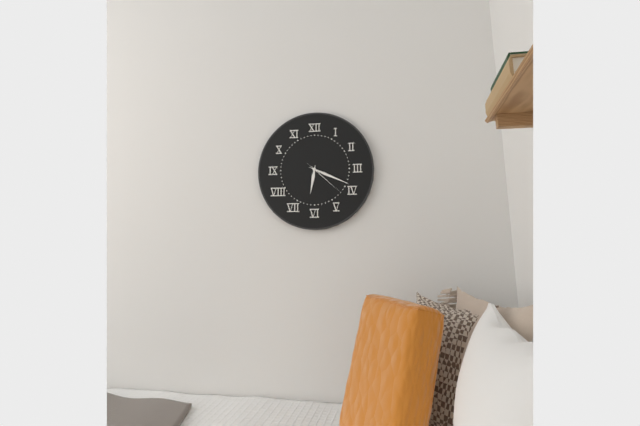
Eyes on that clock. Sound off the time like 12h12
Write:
6h19
